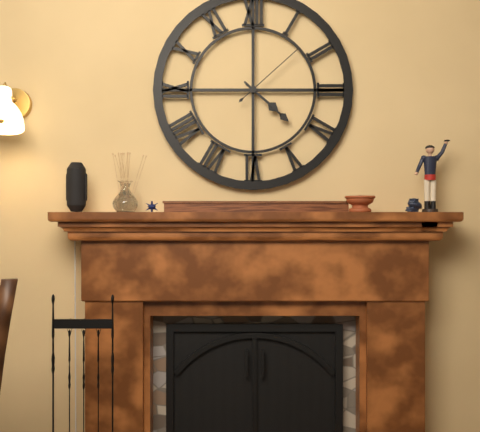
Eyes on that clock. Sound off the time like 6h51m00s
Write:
4h22m08s
